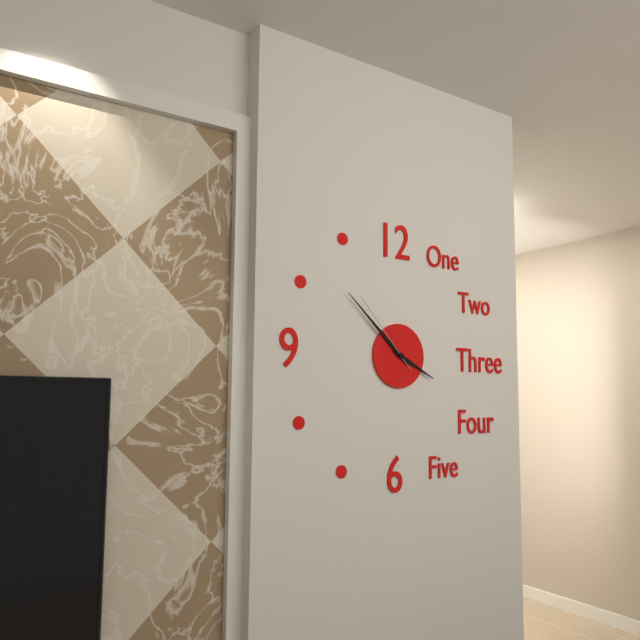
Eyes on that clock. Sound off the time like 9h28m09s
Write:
3h52m53s
